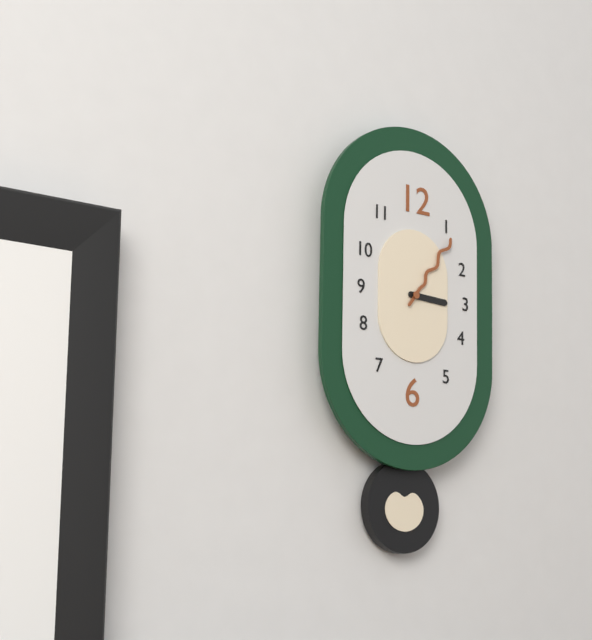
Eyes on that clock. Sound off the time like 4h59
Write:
3h06
